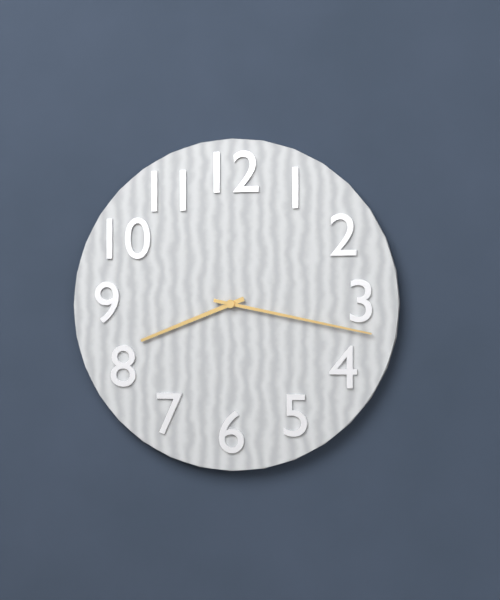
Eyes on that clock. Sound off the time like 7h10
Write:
8h17
